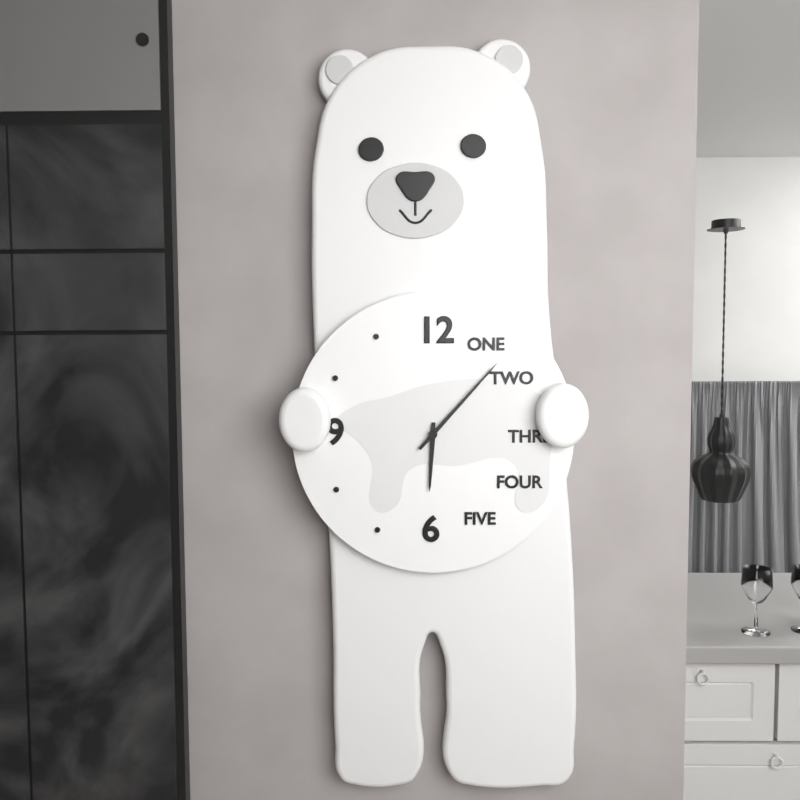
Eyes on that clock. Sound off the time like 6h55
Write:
6h07
